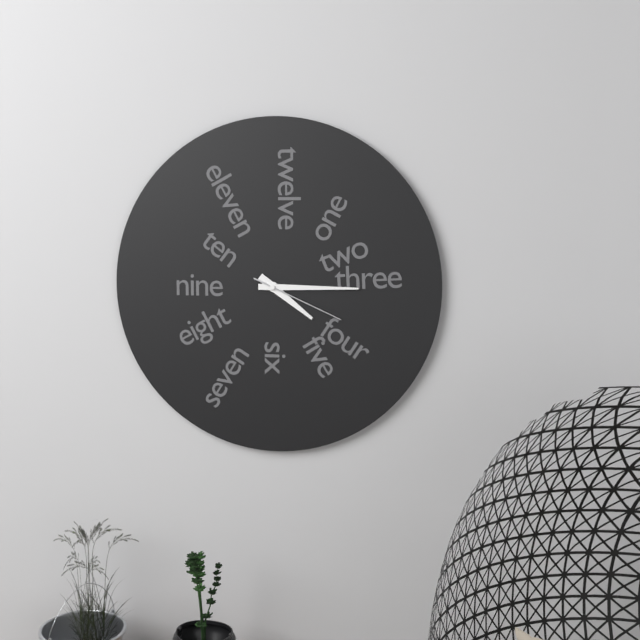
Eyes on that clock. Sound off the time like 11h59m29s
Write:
4h15m19s
